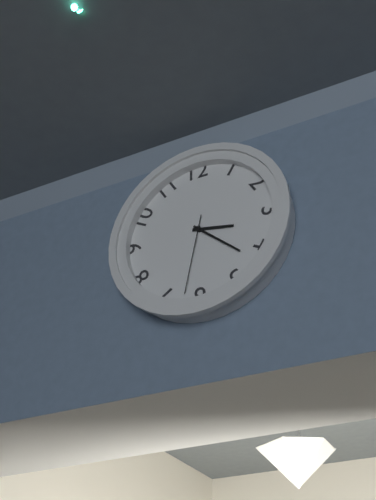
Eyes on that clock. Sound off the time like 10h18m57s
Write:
3h22m32s
